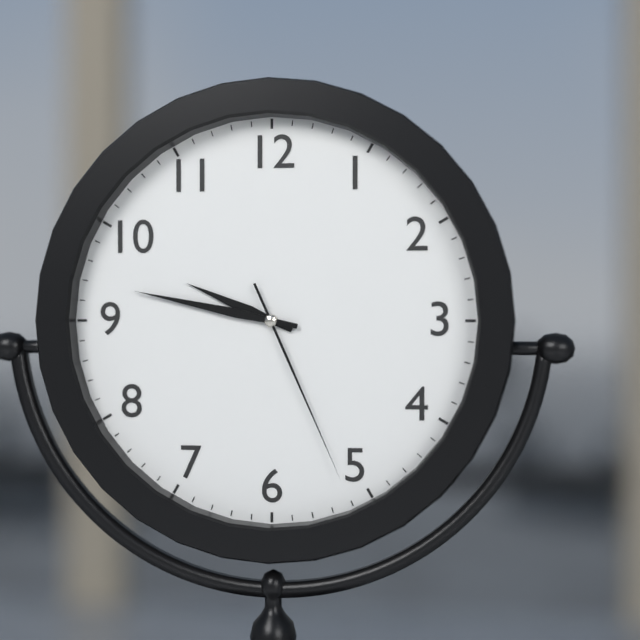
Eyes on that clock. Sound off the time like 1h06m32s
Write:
9h47m26s
